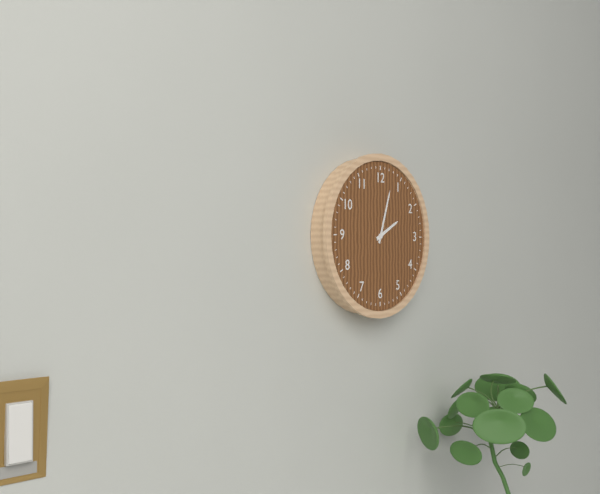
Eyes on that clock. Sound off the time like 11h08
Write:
2h03
